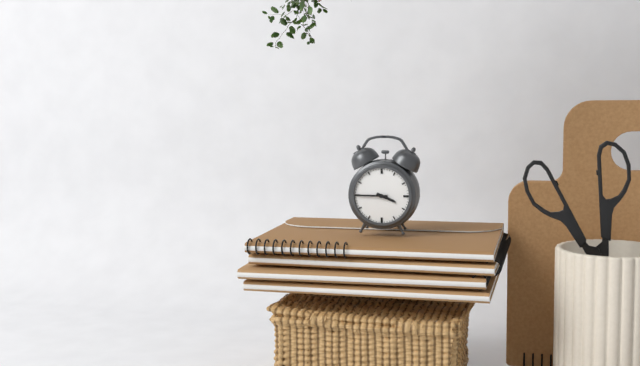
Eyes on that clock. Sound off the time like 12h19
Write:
3h45
